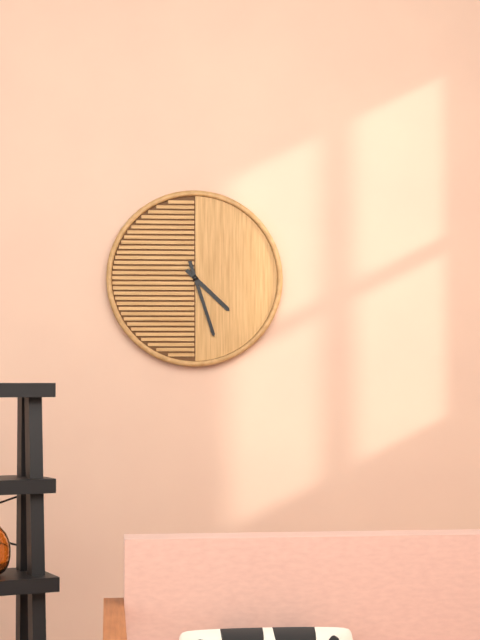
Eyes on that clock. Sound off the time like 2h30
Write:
4h27
